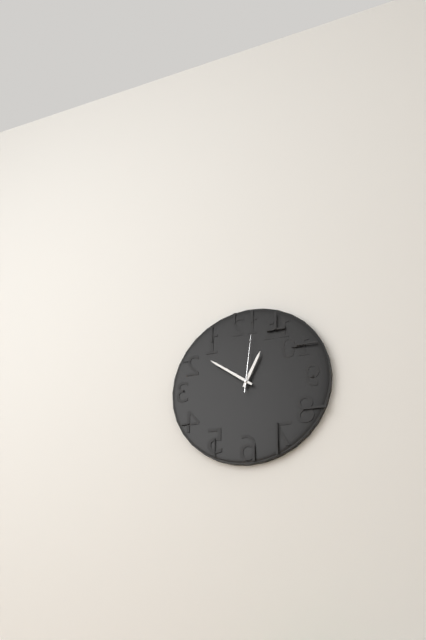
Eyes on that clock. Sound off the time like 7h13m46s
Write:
12h51m01s
